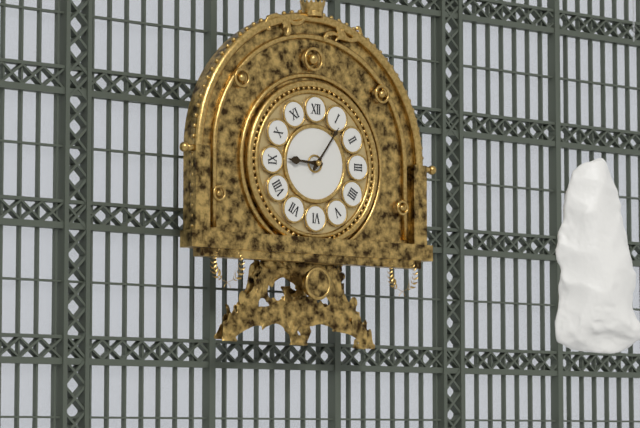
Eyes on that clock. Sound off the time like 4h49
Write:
9h06
